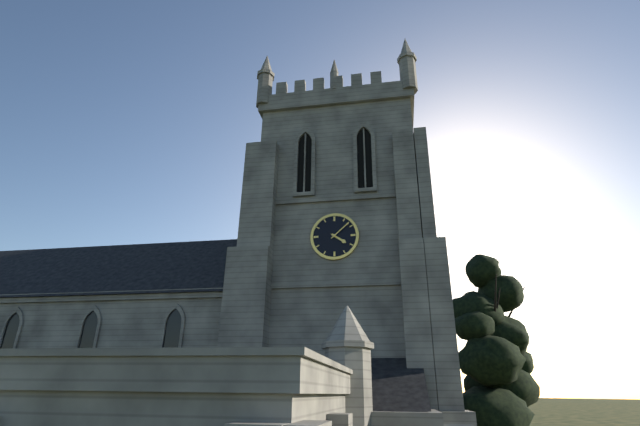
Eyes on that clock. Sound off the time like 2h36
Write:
4h08
